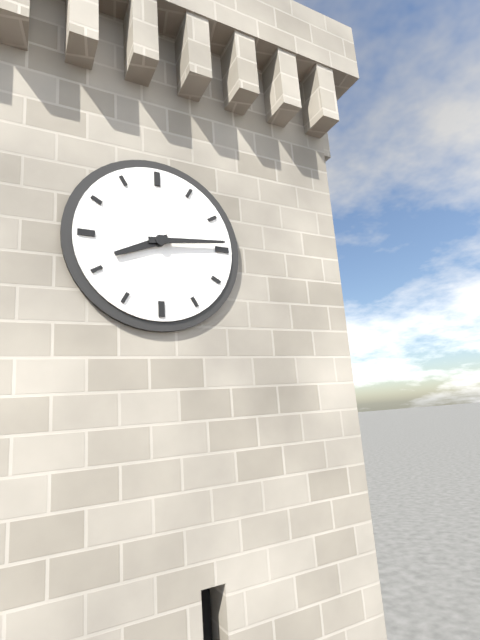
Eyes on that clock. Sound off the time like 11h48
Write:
8h14
